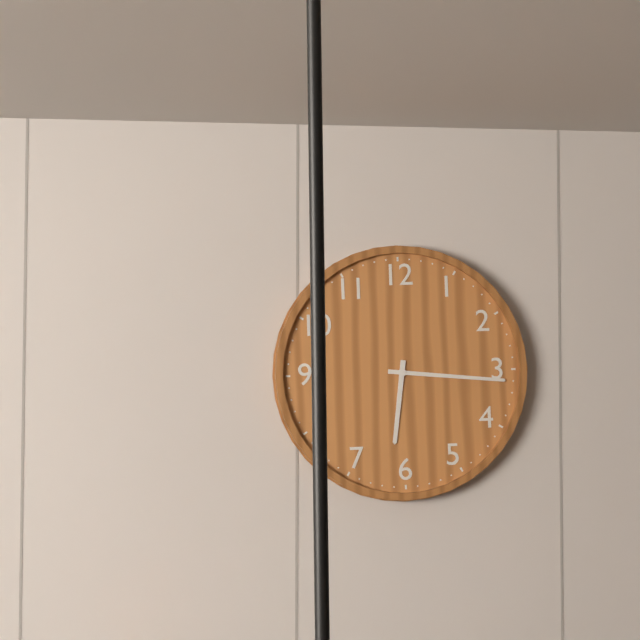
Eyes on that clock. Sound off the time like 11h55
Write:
6h16
